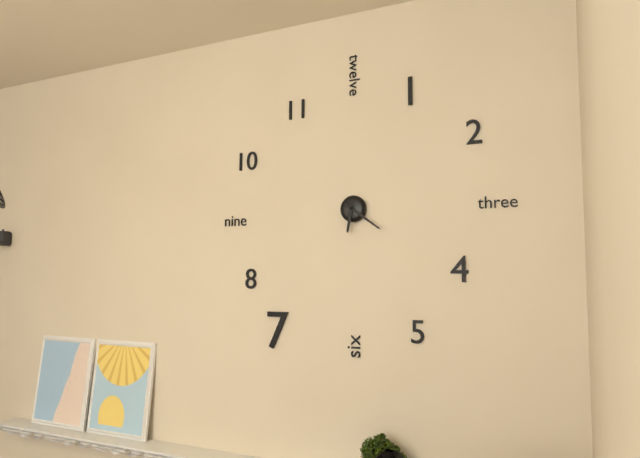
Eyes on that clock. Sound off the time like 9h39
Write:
6h21
